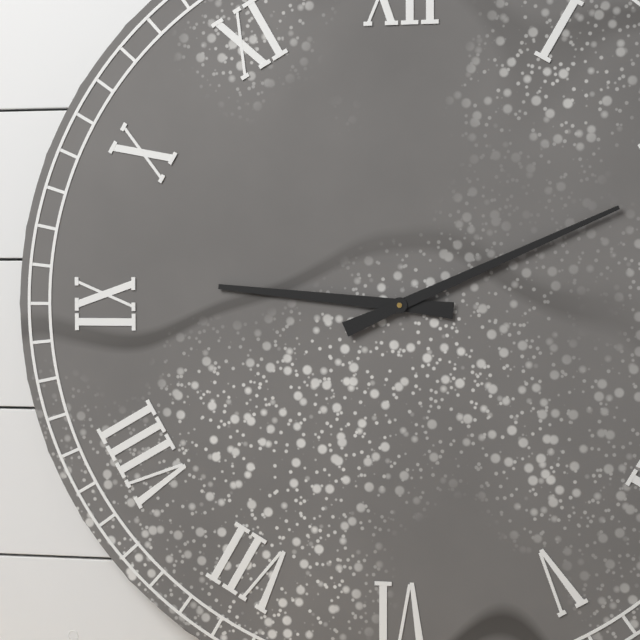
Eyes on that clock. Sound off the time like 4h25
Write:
9h11
